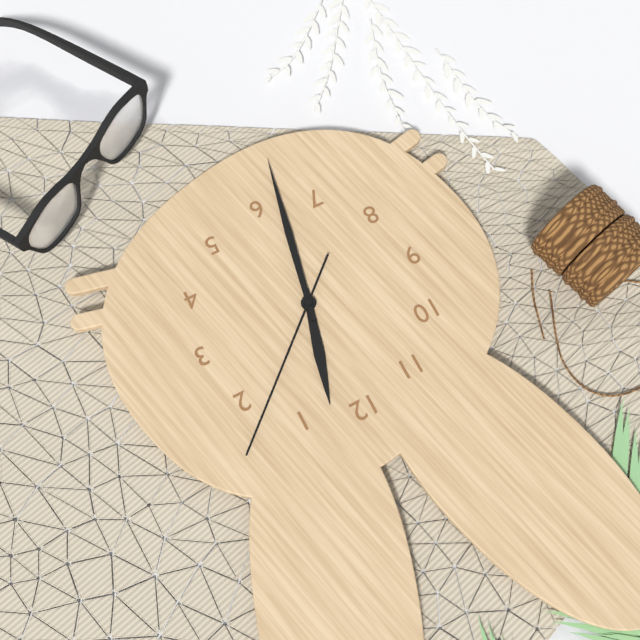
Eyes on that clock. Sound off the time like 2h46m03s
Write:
12h32m08s
